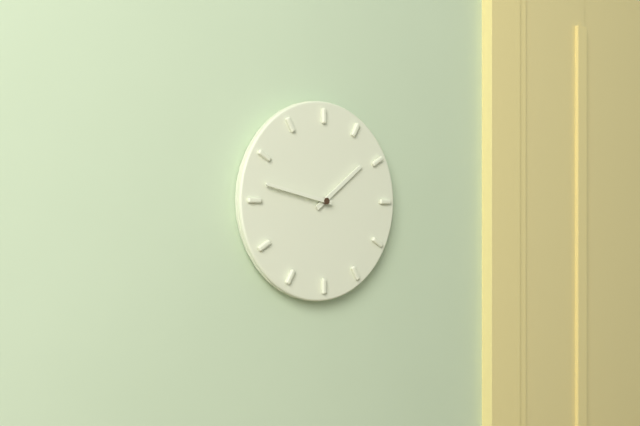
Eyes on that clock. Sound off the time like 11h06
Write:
1h47
